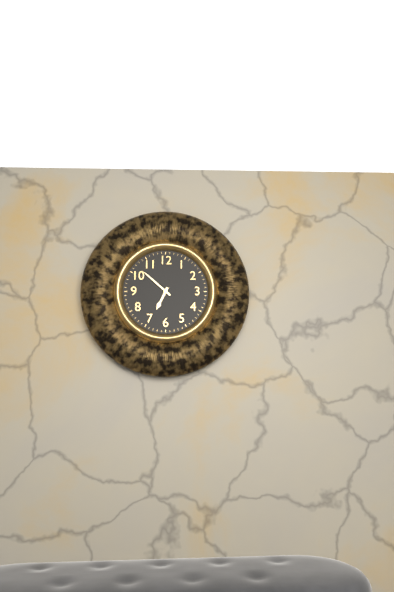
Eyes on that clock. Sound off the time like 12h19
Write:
6h52
